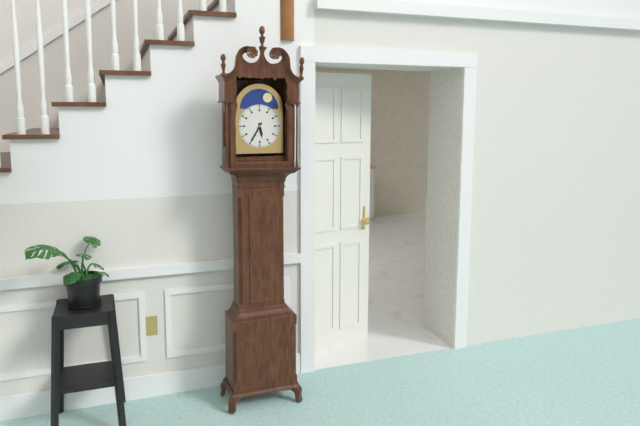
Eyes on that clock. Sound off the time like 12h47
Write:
5h35
